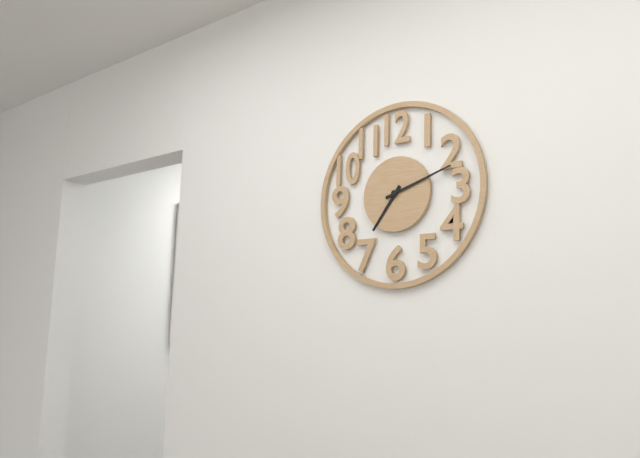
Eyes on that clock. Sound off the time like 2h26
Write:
7h12
